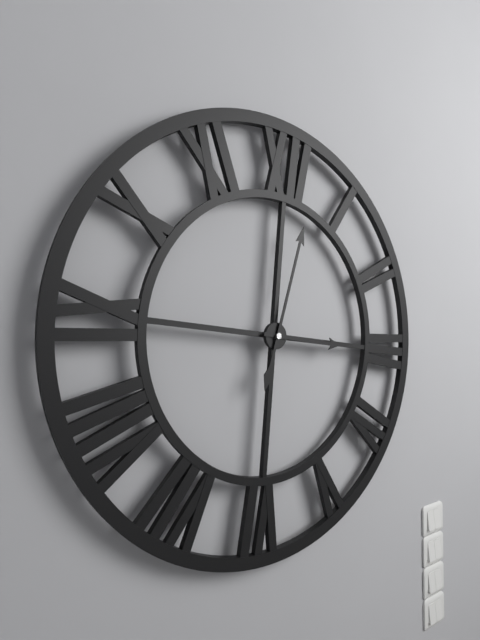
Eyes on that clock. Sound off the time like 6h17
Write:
3h02
